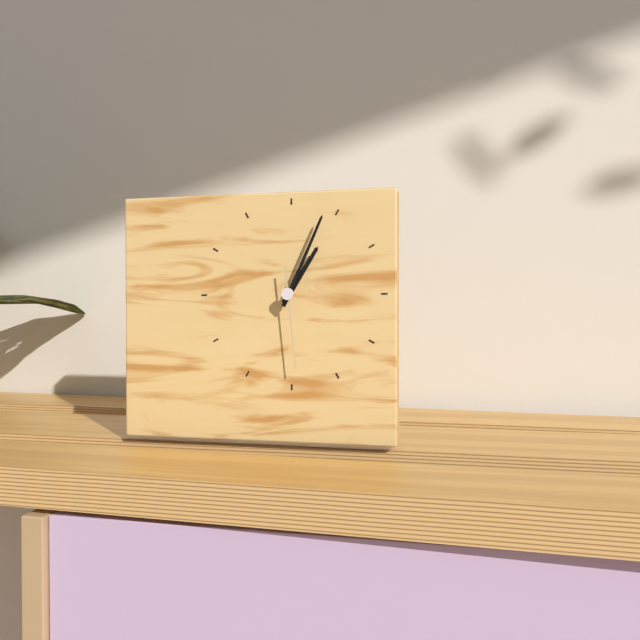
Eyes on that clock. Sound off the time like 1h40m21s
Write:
1h04m29s
